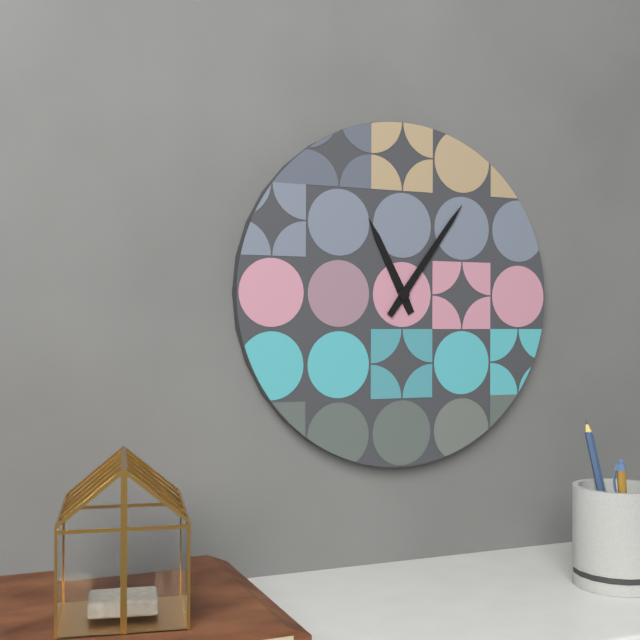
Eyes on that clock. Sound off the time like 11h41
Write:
11h06
